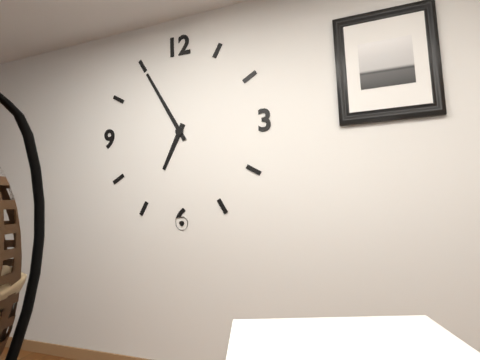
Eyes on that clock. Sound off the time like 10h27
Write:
6h55
